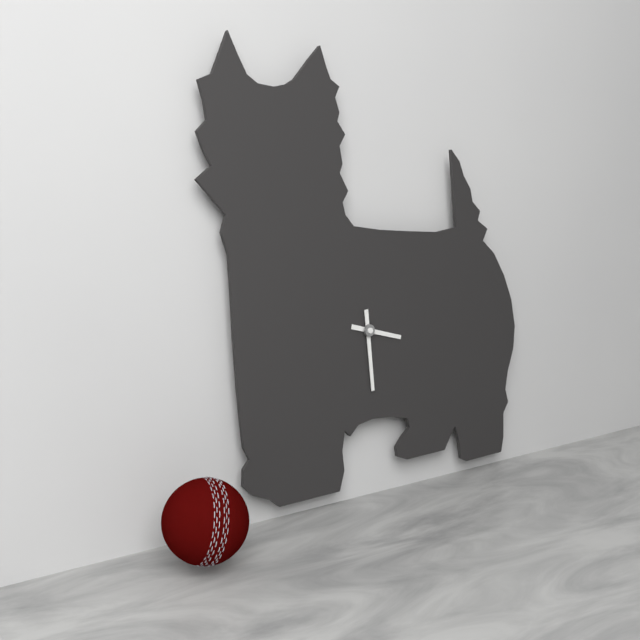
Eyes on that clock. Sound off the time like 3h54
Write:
3h29
